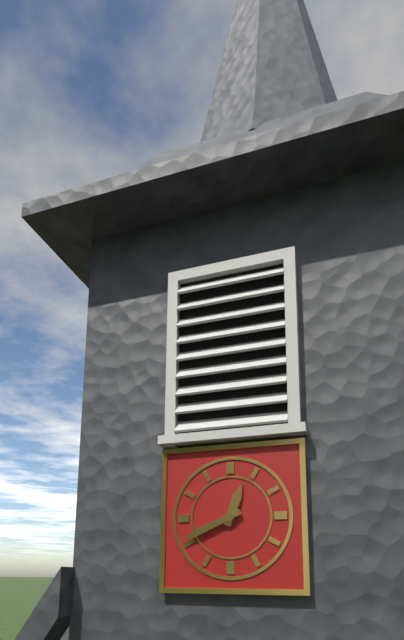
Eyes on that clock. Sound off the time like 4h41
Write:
12h41
